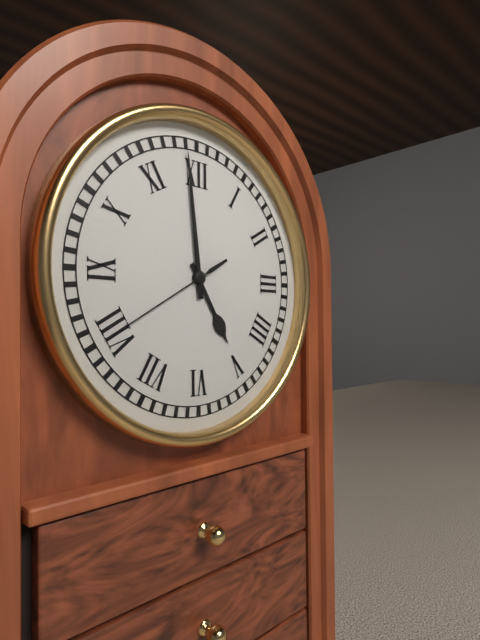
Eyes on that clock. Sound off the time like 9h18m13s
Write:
4h59m40s
